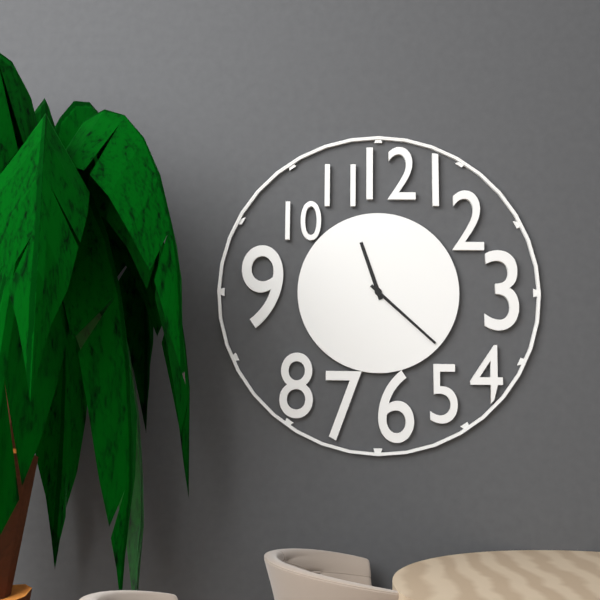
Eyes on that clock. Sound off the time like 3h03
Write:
11h22
